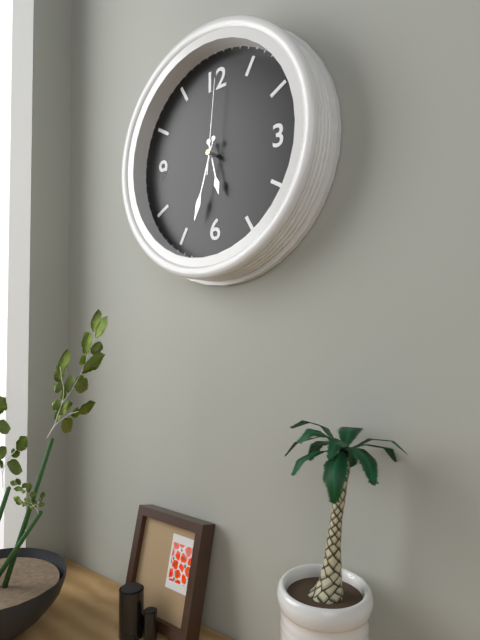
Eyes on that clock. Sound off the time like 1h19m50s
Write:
5h33m01s
